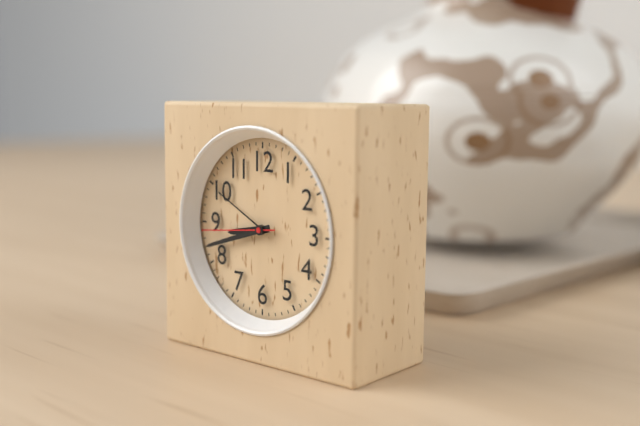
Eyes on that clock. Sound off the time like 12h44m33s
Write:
8h42m44s
